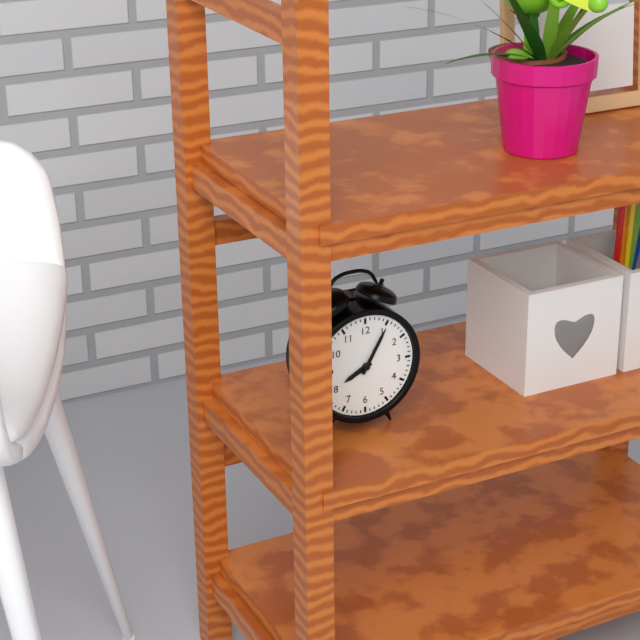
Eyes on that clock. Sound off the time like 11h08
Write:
8h05
